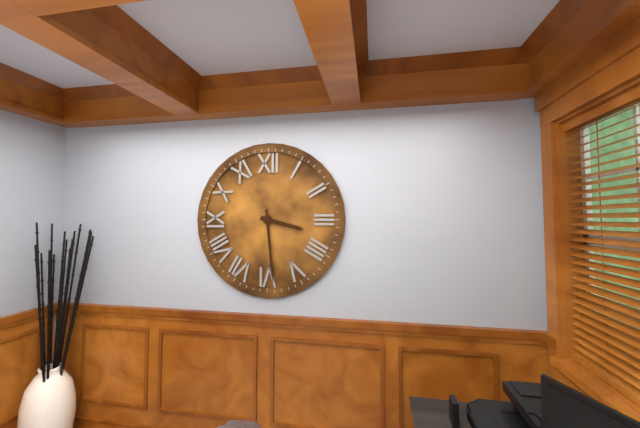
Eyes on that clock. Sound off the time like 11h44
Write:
3h29
